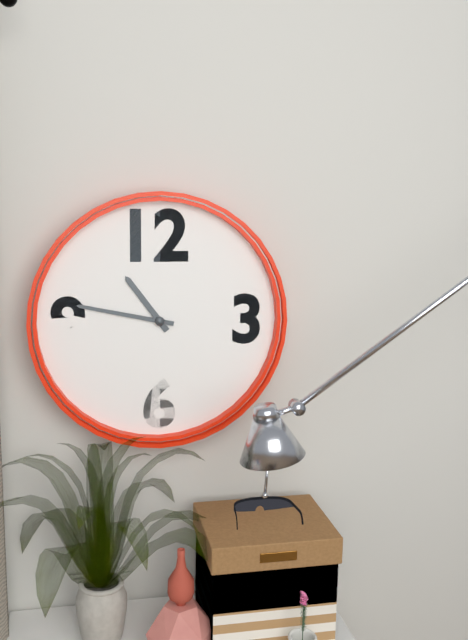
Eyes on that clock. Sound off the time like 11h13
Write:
10h47
